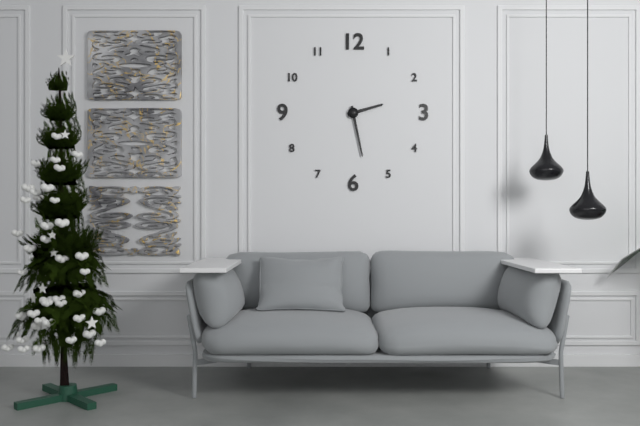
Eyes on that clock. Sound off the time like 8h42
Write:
2h28
